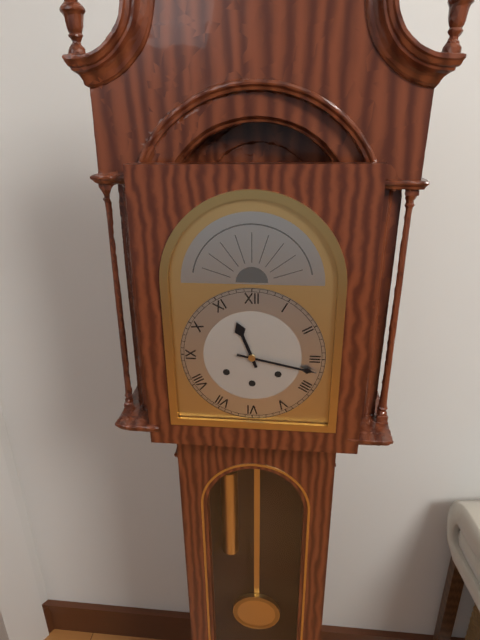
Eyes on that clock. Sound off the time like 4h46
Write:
11h17
